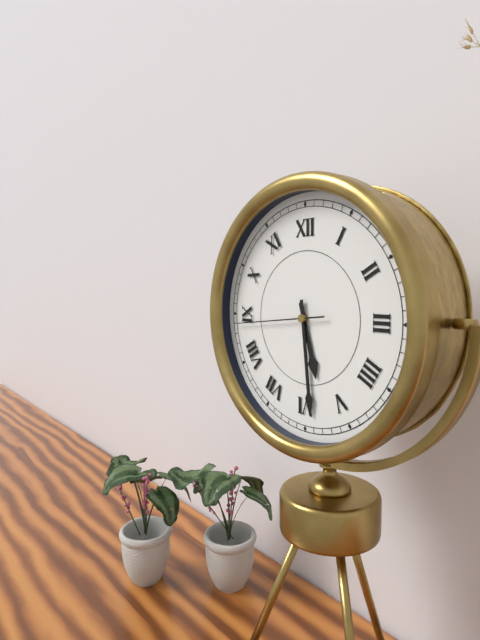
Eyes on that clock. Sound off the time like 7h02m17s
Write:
5h29m44s
